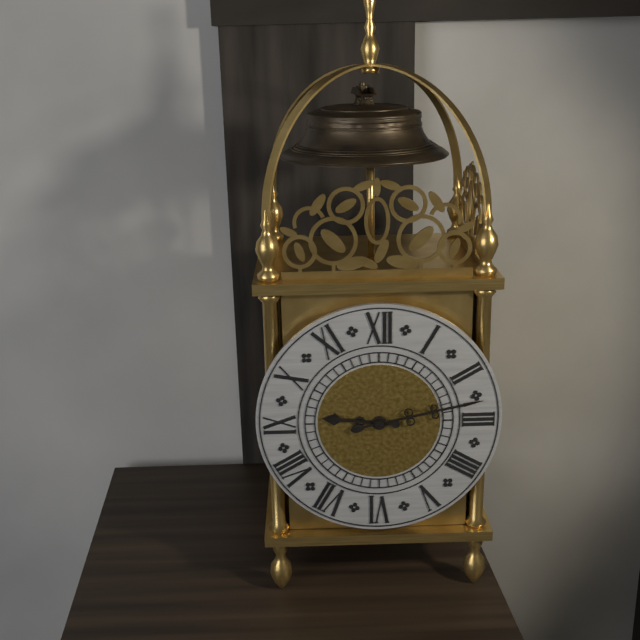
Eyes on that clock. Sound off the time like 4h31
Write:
9h13
